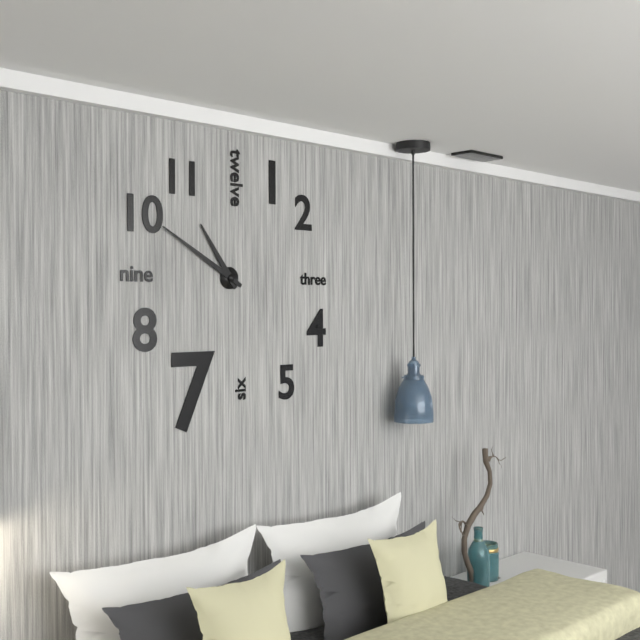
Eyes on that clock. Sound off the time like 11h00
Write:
10h50
